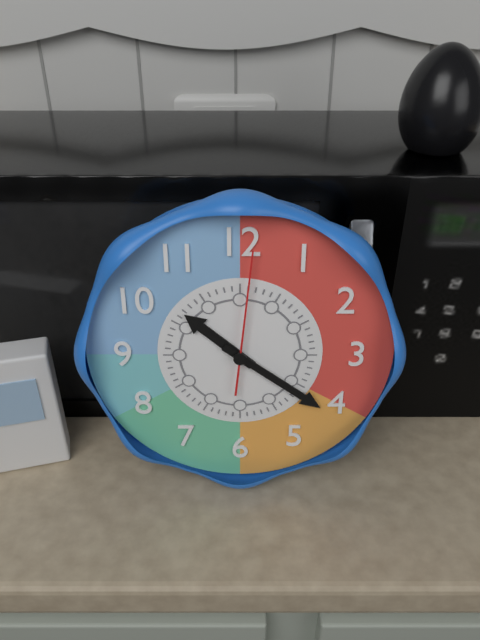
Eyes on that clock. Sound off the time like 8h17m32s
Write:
10h21m01s
